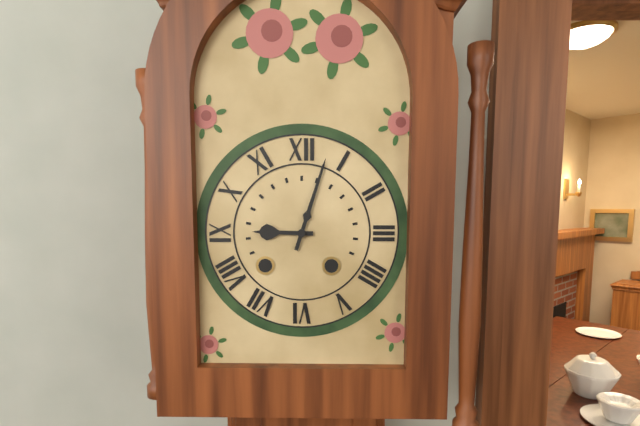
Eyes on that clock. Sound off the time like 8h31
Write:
9h03
